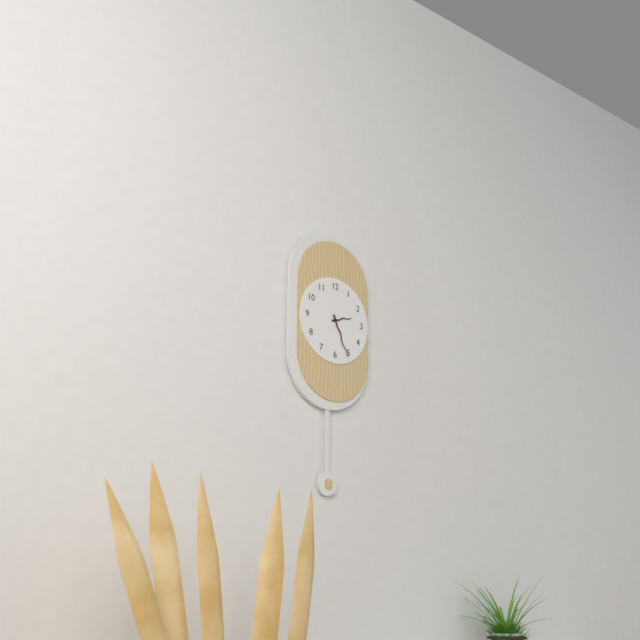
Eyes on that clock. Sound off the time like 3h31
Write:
2h26
